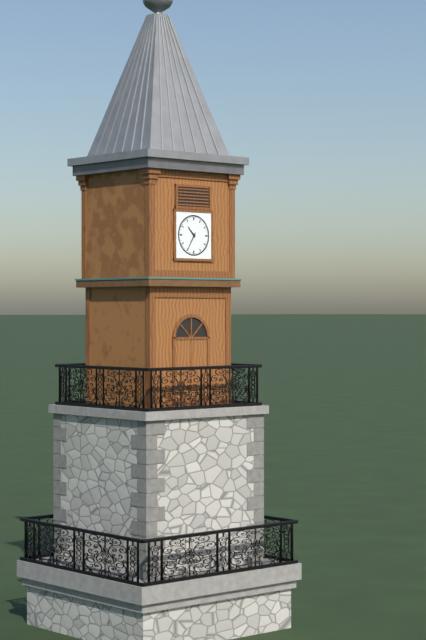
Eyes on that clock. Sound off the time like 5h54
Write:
10h35
